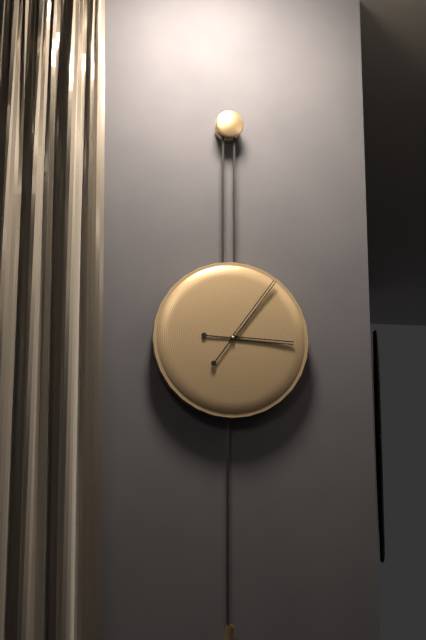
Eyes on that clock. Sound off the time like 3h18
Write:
3h06
